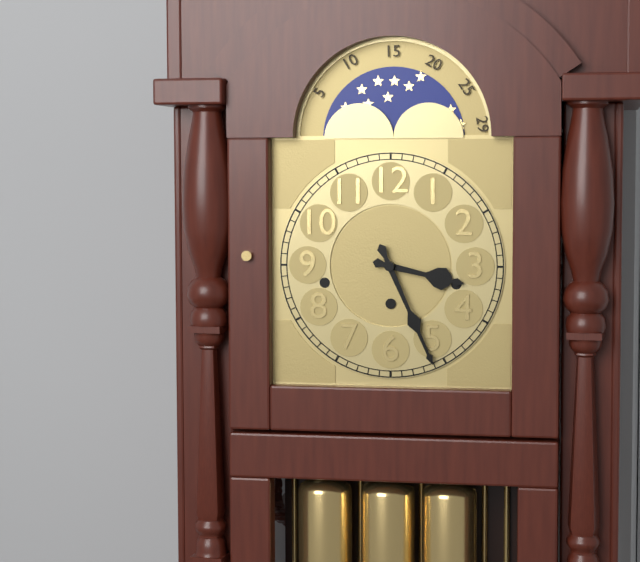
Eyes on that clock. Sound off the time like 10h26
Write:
3h26
